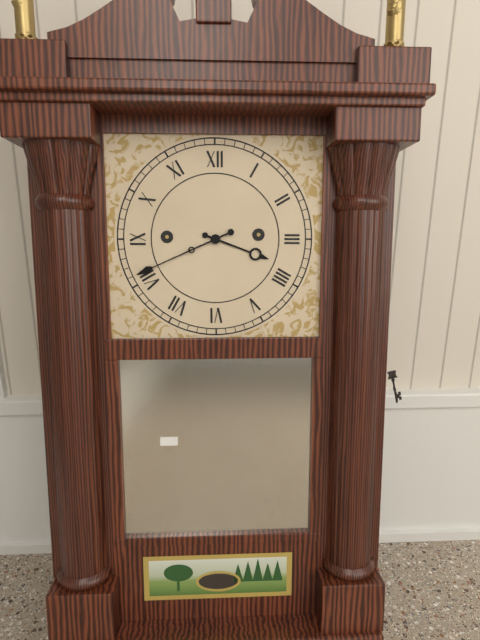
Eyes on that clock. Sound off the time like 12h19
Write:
3h41
